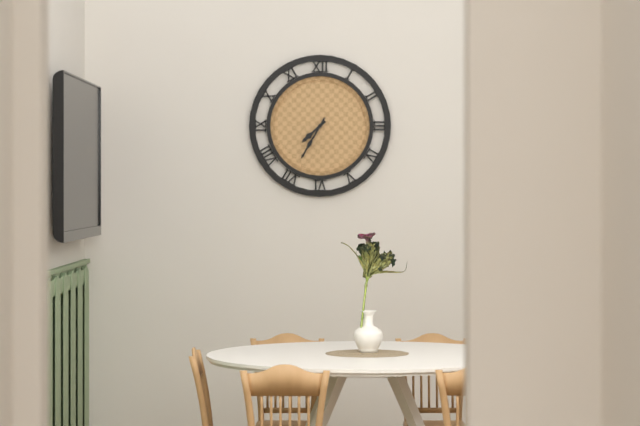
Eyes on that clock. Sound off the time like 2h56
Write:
7h35
